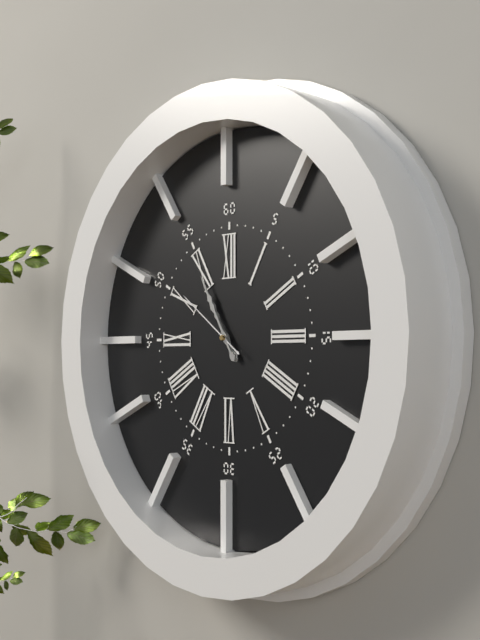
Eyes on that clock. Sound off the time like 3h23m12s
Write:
10h55m51s
